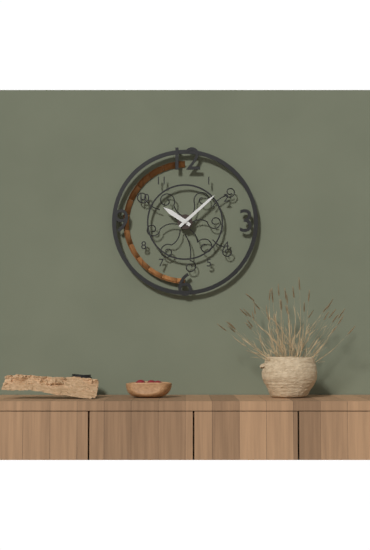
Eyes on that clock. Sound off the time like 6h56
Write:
10h08
